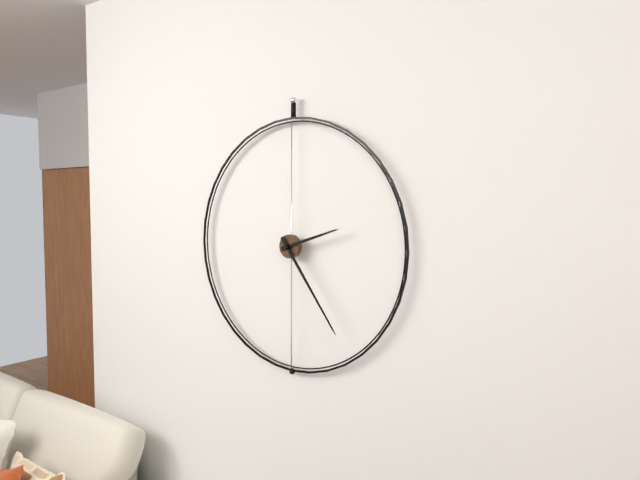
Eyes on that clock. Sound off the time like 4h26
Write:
2h24
